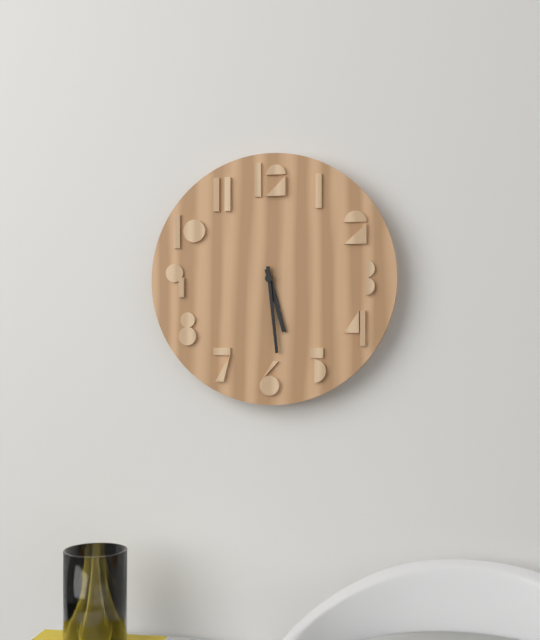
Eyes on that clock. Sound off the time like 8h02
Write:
5h29
